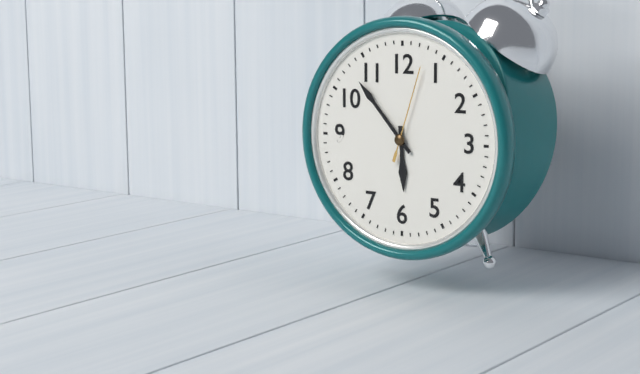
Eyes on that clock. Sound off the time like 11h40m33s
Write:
5h53m03s
